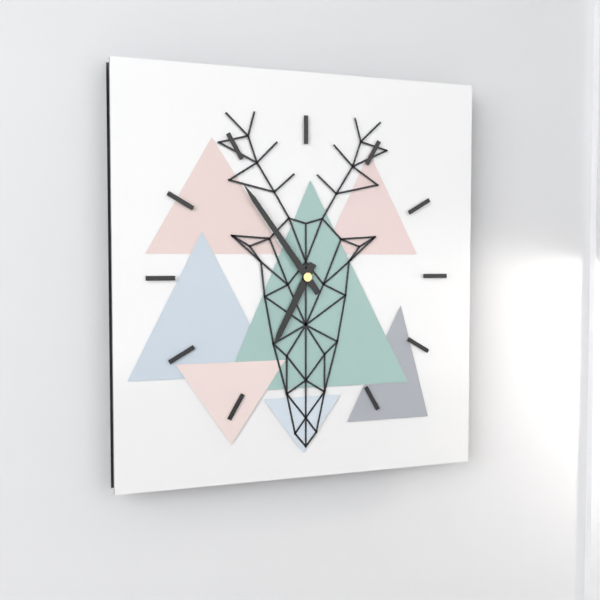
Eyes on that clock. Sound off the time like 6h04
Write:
6h54
